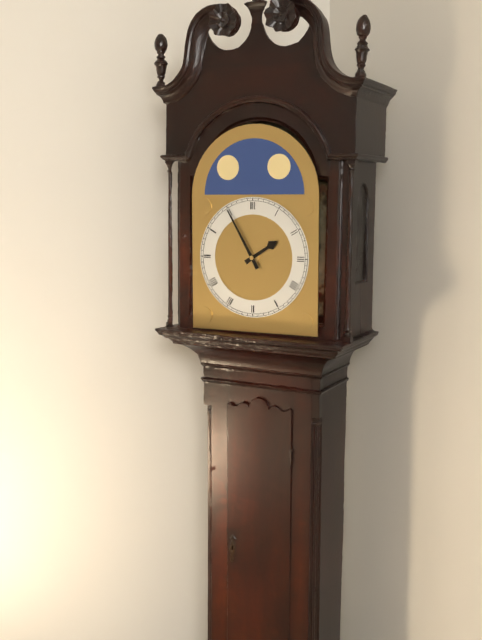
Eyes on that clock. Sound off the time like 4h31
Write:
1h55
